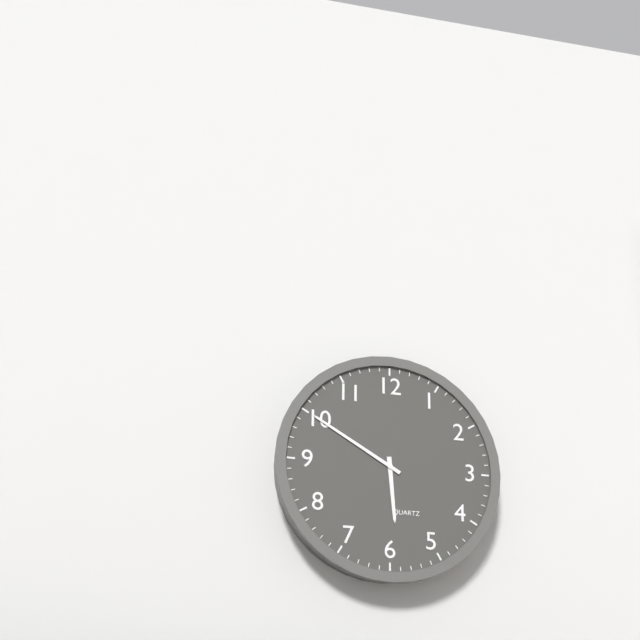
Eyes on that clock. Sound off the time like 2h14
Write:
5h50
